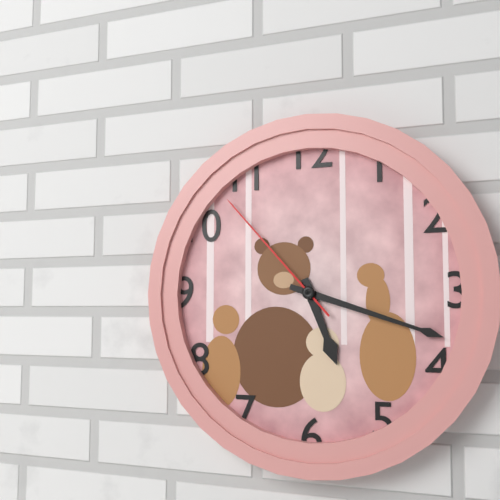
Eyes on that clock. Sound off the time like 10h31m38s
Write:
5h18m53s
